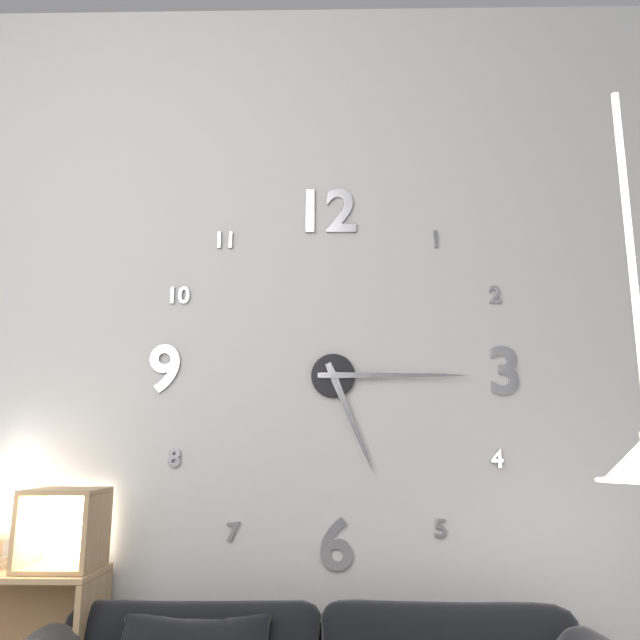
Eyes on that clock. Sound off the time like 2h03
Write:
5h15
